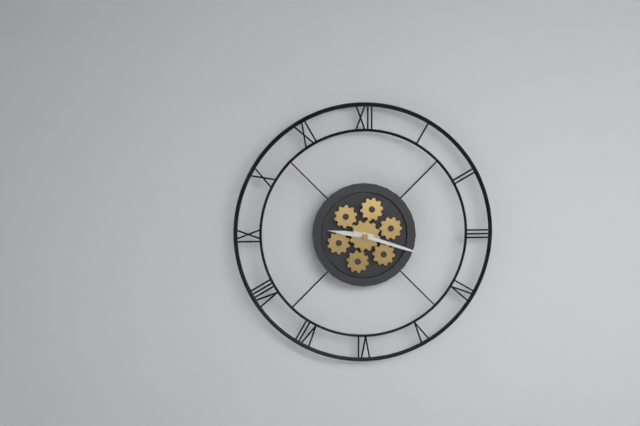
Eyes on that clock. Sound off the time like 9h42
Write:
9h18
